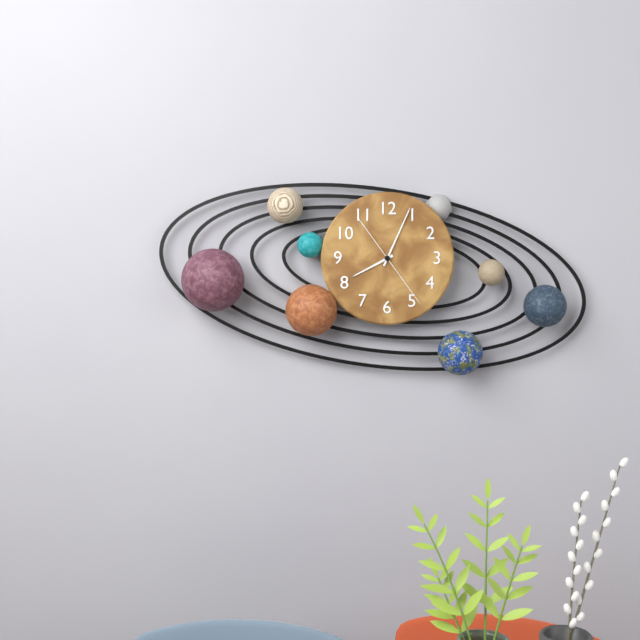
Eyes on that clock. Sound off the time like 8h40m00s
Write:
8h04m24s
